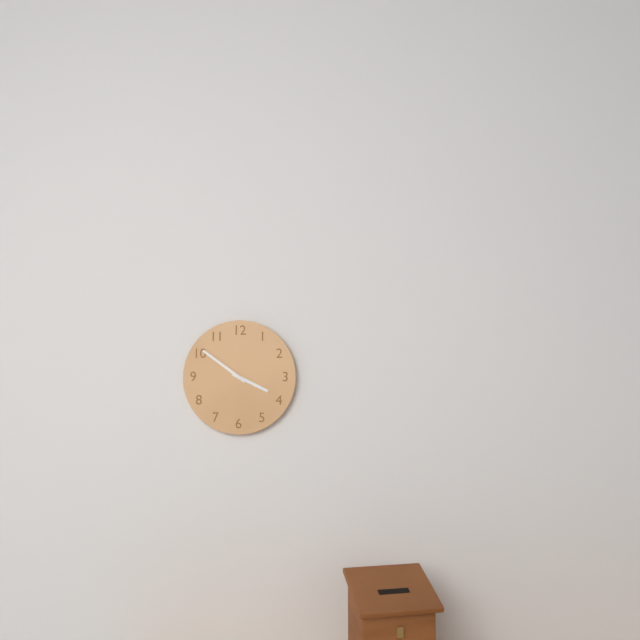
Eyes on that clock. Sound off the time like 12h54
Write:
3h51
